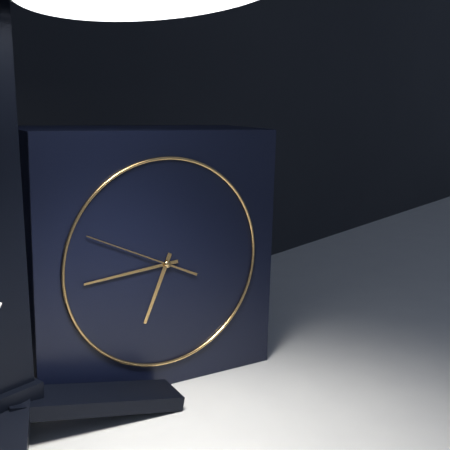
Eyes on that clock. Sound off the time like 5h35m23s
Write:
6h44m49s
